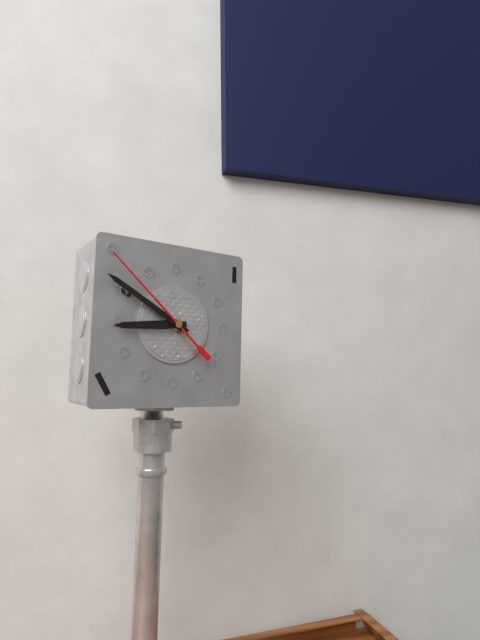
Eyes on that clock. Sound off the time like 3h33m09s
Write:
8h50m52s
